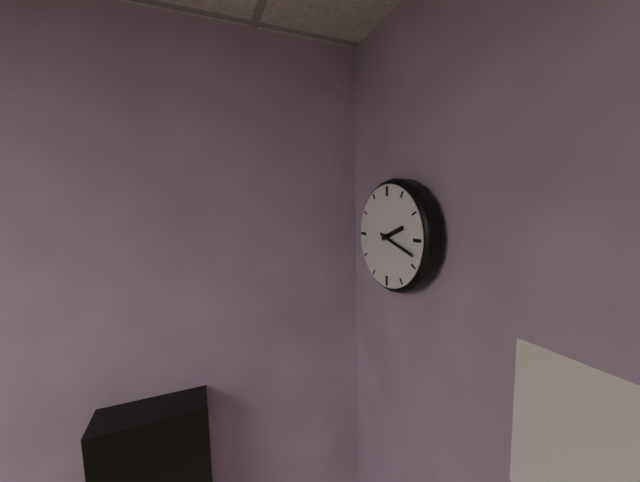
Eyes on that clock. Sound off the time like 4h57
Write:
2h18
